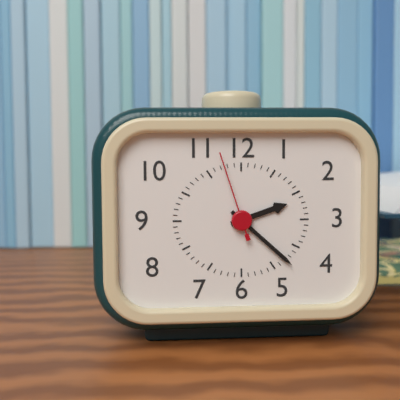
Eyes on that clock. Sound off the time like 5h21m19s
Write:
2h22m57s
